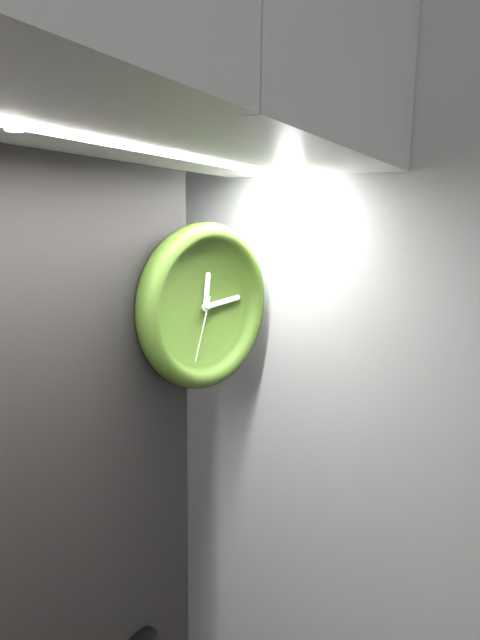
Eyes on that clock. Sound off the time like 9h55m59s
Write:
12h14m33s
